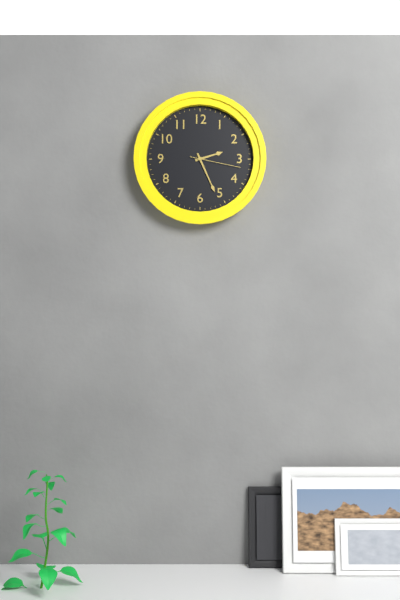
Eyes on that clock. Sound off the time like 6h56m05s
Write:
2h26m17s
